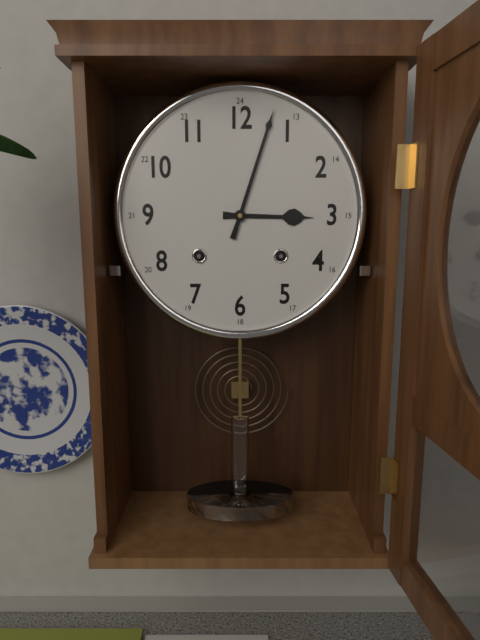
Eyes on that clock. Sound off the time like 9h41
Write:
3h03
